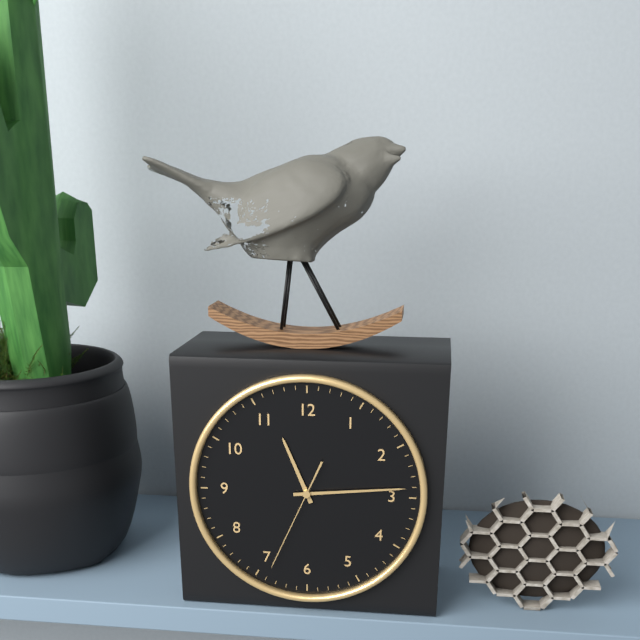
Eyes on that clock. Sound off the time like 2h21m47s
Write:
11h14m34s
